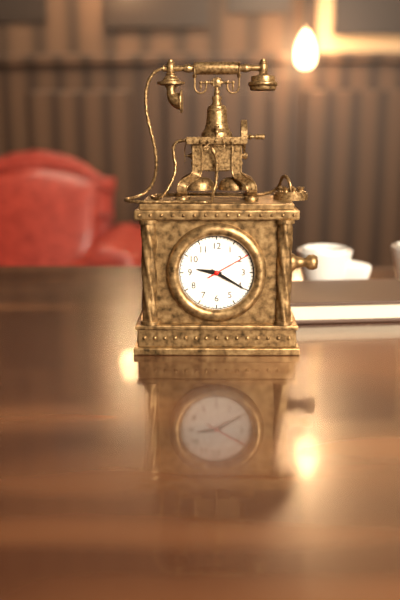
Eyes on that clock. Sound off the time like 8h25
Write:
9h20
